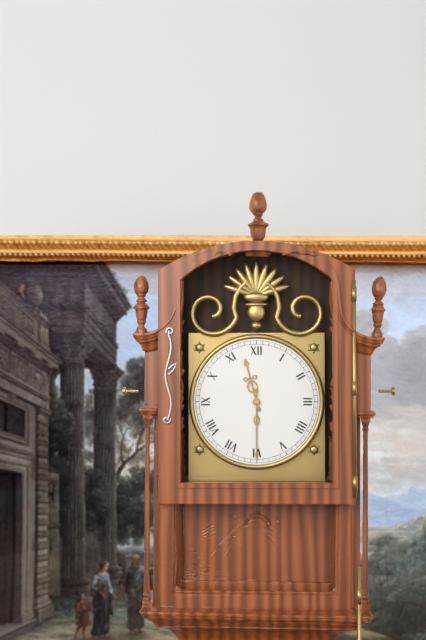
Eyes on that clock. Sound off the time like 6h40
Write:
11h30
